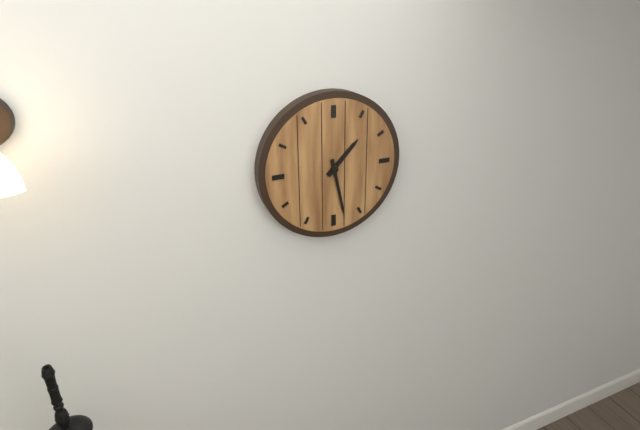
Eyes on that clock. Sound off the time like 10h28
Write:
1h28
